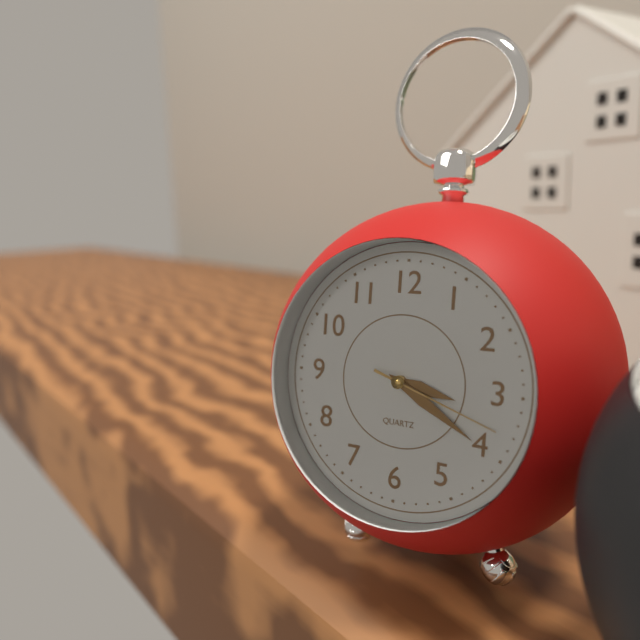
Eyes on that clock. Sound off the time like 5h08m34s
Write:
3h20m18s
